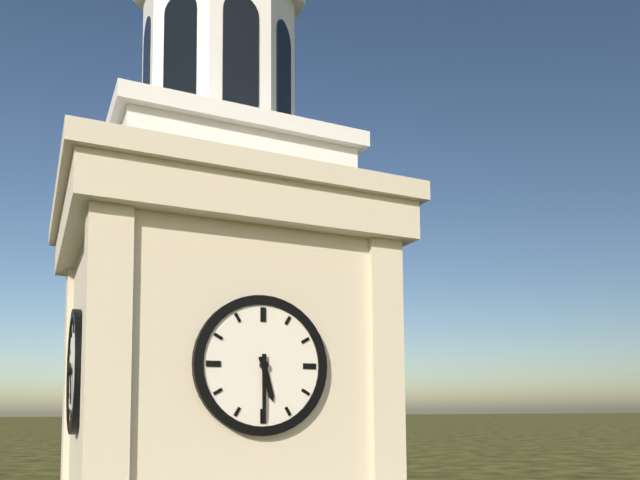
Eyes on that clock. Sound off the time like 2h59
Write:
5h30
